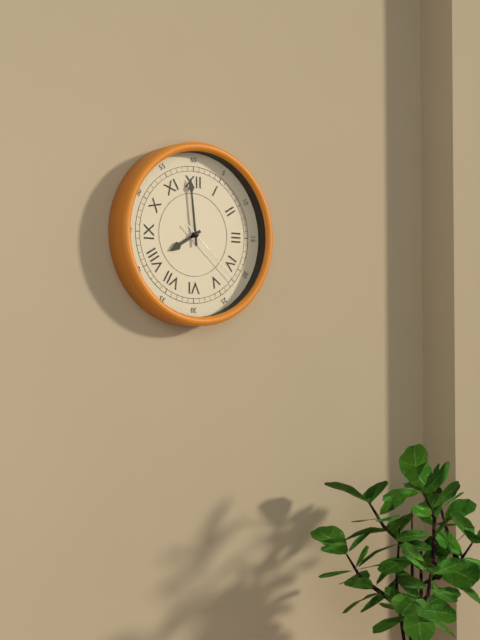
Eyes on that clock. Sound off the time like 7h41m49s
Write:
7h59m22s
